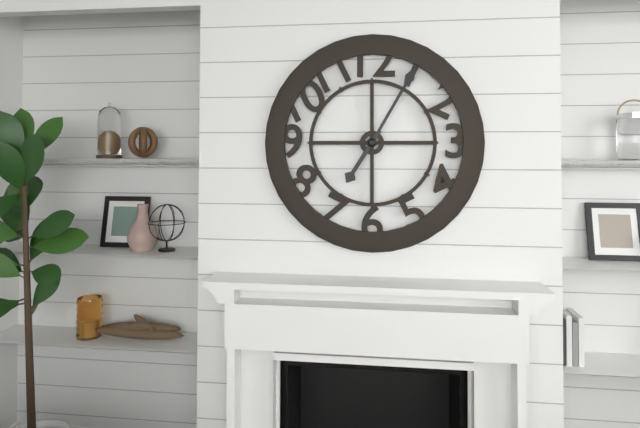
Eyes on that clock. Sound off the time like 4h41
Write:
7h05
